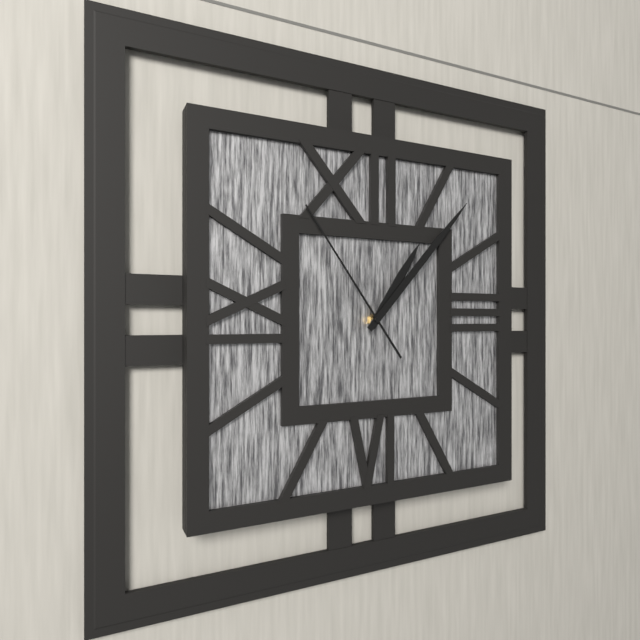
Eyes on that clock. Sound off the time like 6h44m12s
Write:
1h07m54s
